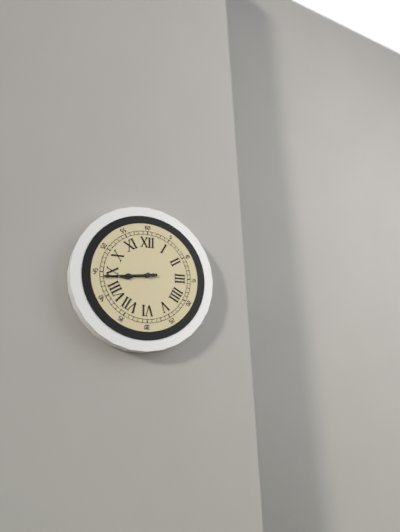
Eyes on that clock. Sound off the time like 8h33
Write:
8h44
